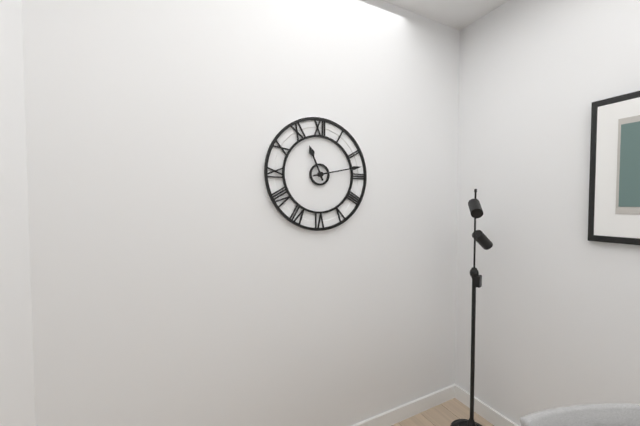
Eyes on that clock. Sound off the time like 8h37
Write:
11h13
